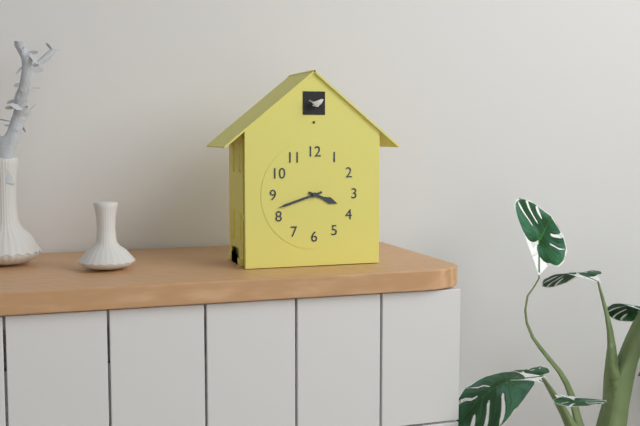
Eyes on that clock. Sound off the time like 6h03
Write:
3h42
